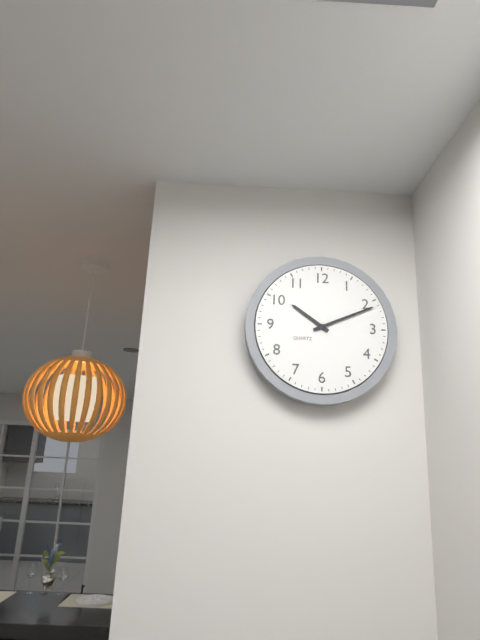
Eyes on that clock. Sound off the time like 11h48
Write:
10h11
